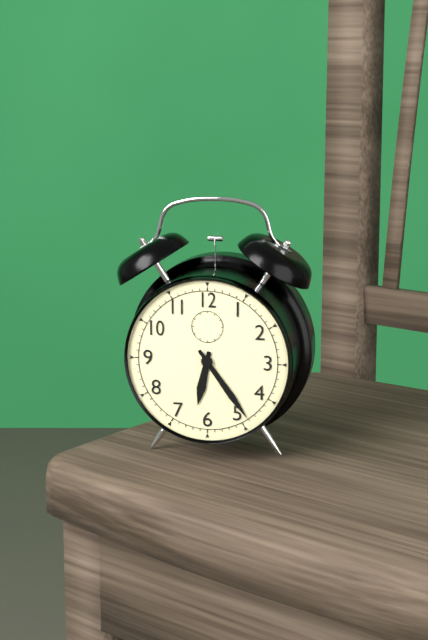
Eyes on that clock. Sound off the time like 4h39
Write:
6h24
